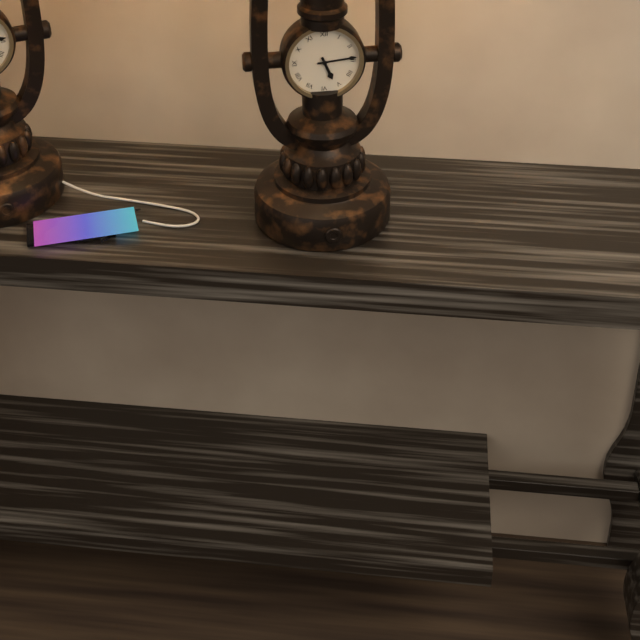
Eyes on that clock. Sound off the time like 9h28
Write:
5h14
